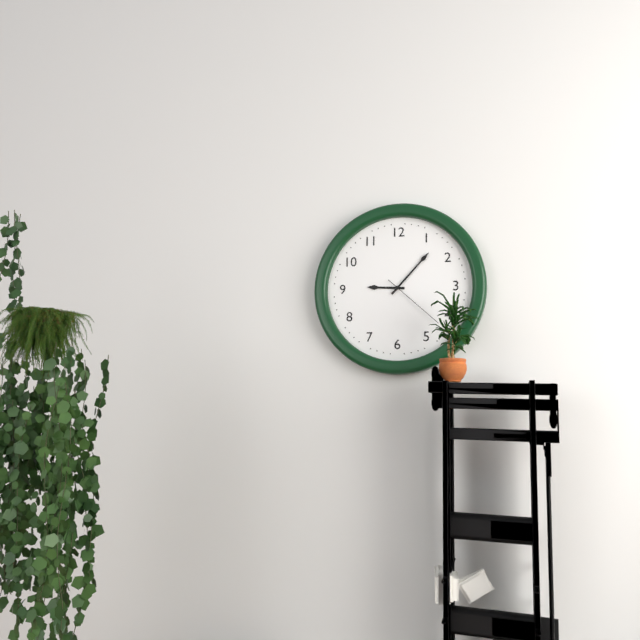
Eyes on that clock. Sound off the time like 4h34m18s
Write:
9h07m22s
